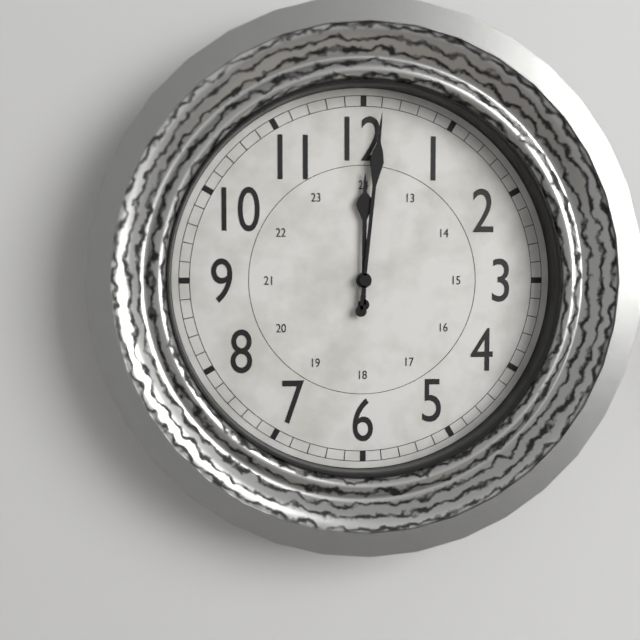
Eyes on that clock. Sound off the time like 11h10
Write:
12h01
